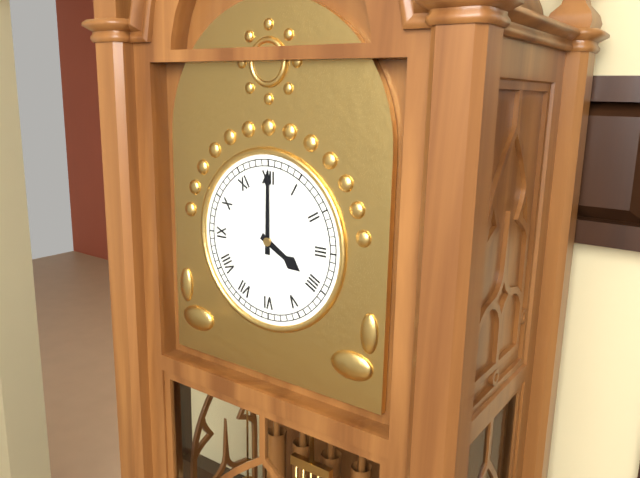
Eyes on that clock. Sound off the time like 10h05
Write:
4h00
